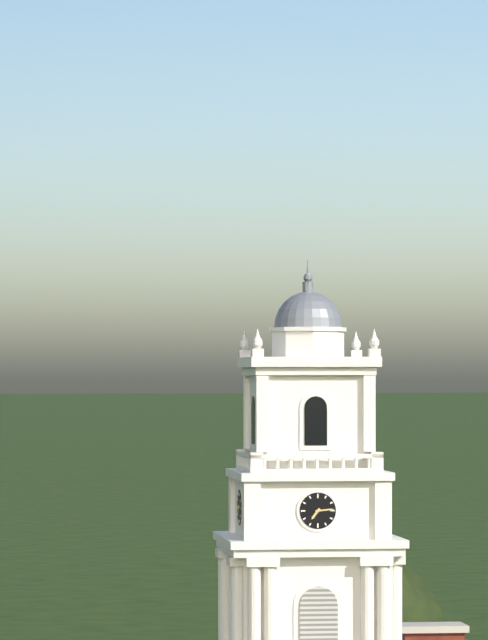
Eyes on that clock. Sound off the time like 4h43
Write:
7h14
